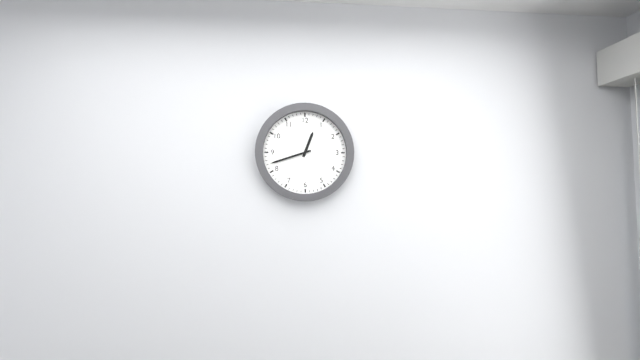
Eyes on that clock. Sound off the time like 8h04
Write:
12h42
